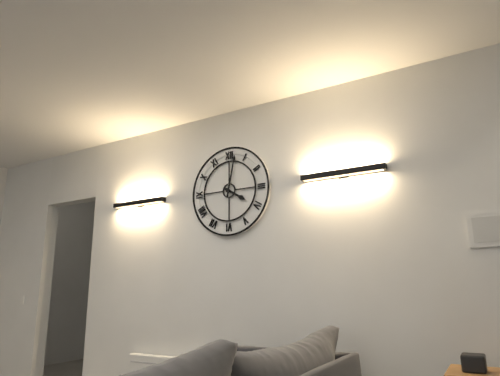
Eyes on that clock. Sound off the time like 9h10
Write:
4h02
